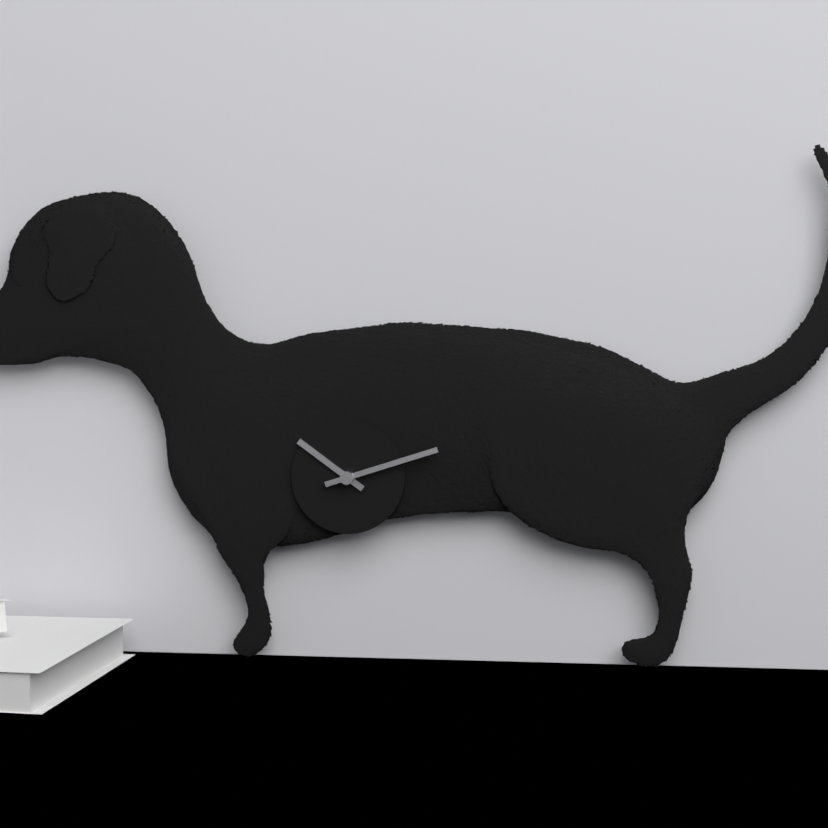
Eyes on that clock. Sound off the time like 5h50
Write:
10h12
